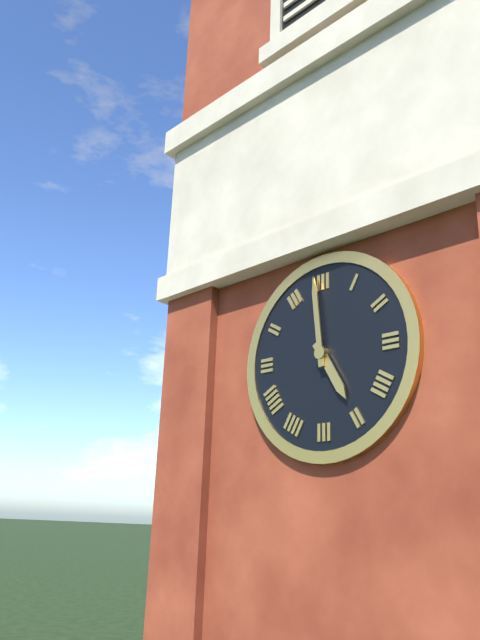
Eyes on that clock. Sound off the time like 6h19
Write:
4h59
